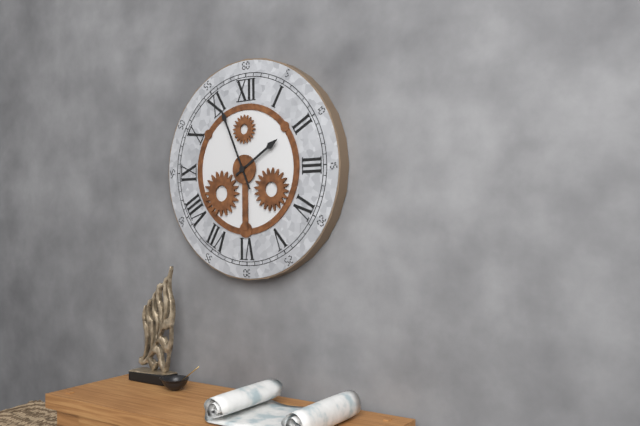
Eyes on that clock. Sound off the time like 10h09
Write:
1h56
